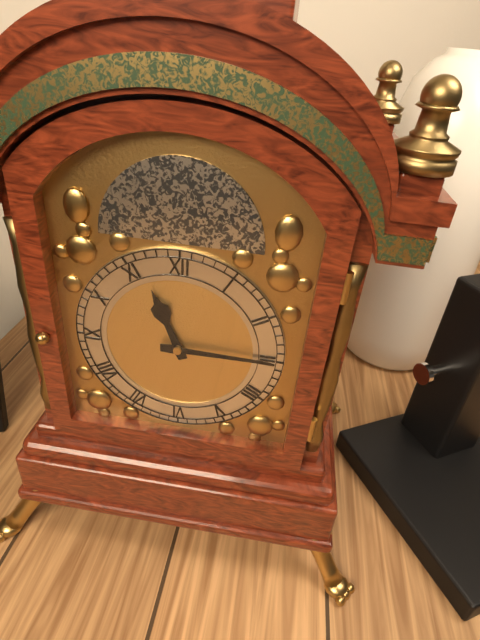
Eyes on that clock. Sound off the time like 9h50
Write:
11h15
